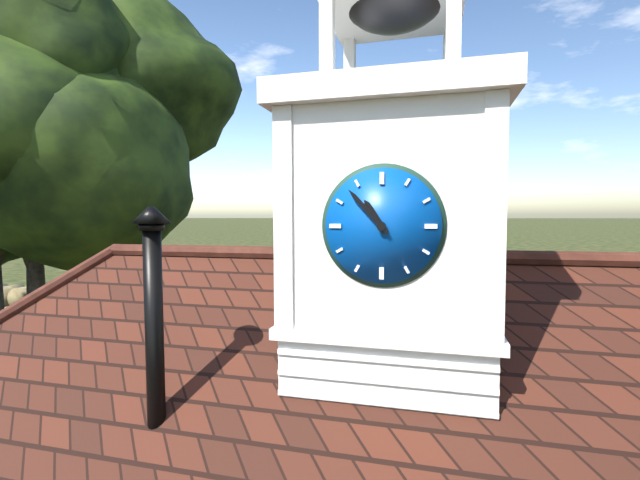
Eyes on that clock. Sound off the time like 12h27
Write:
10h53
